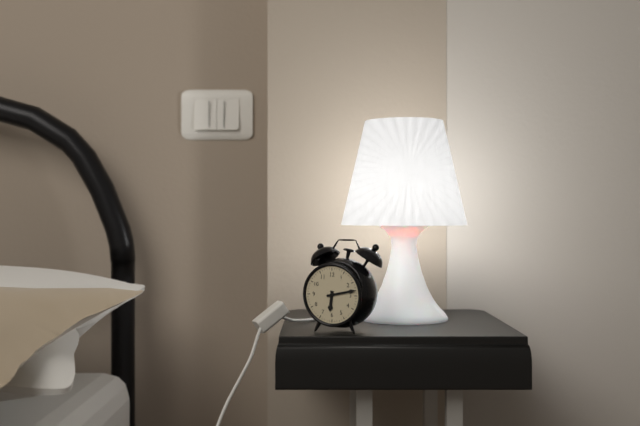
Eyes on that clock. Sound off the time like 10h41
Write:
6h13
